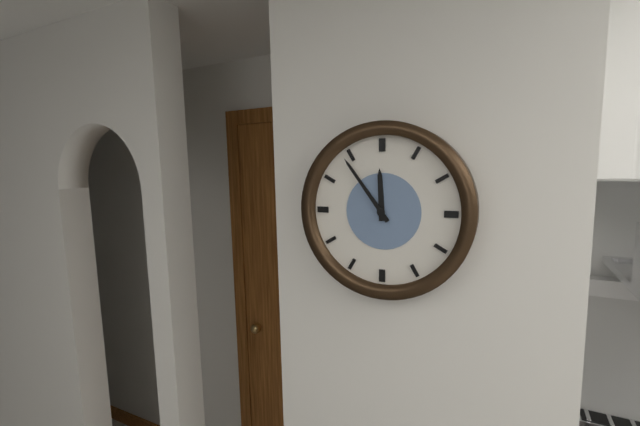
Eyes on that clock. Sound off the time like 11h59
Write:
11h54
